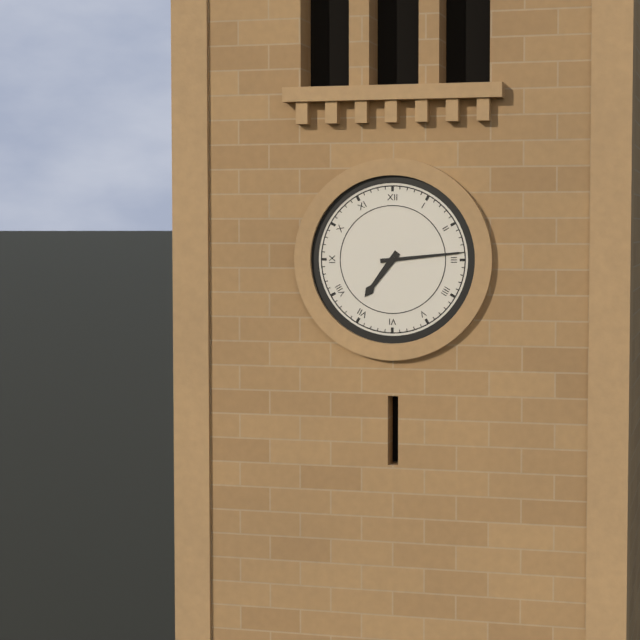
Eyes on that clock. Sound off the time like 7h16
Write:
7h14
